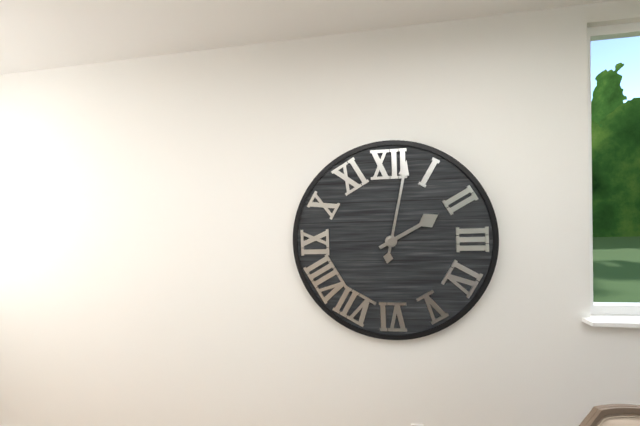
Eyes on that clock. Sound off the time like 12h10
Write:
2h02
